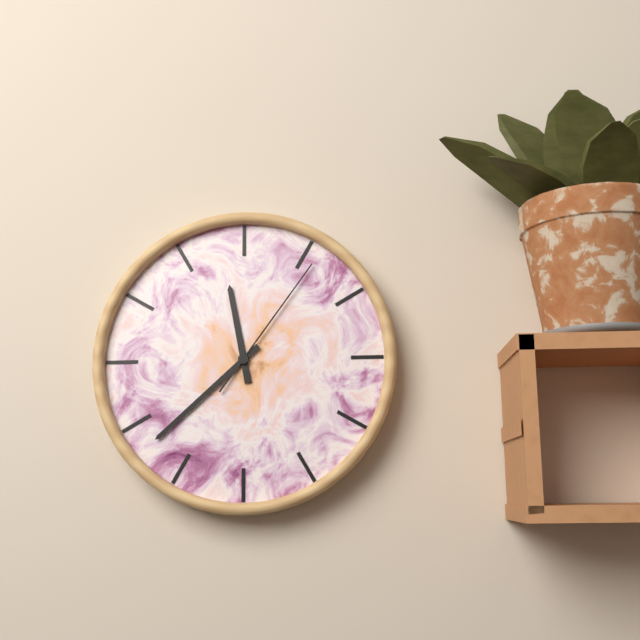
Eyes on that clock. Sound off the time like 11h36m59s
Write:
11h38m06s
